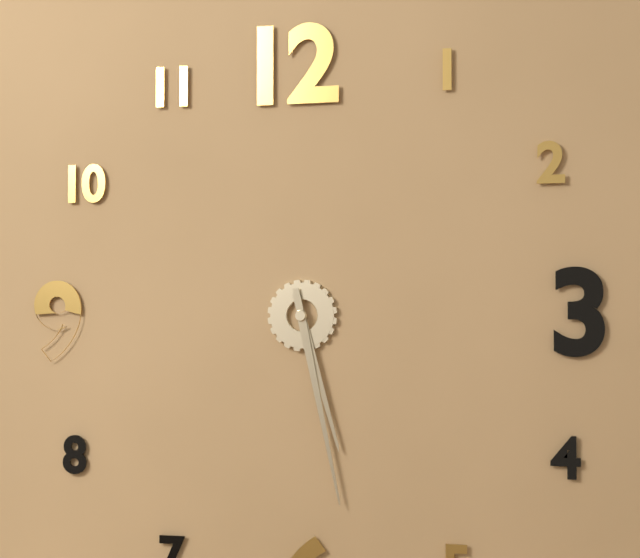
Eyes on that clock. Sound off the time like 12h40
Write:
5h28
